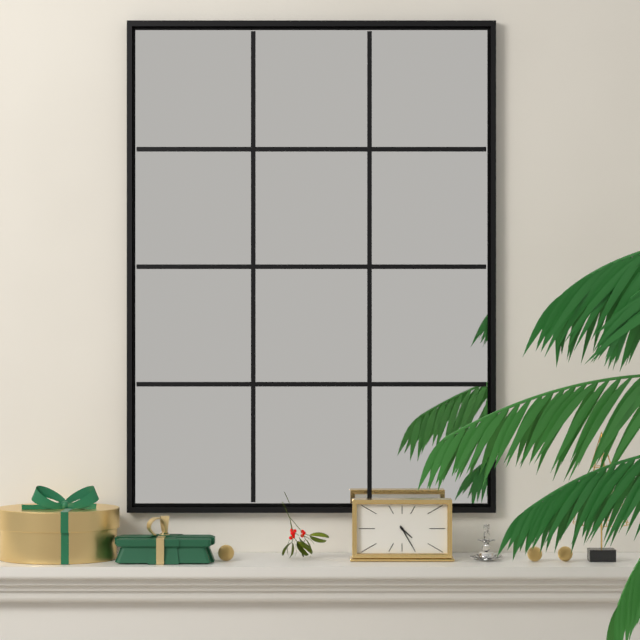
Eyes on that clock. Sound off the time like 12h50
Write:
4h25
